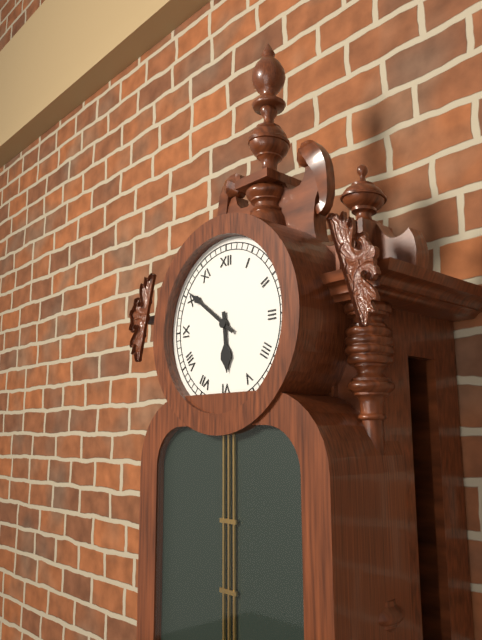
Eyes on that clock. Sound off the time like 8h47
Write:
5h51
